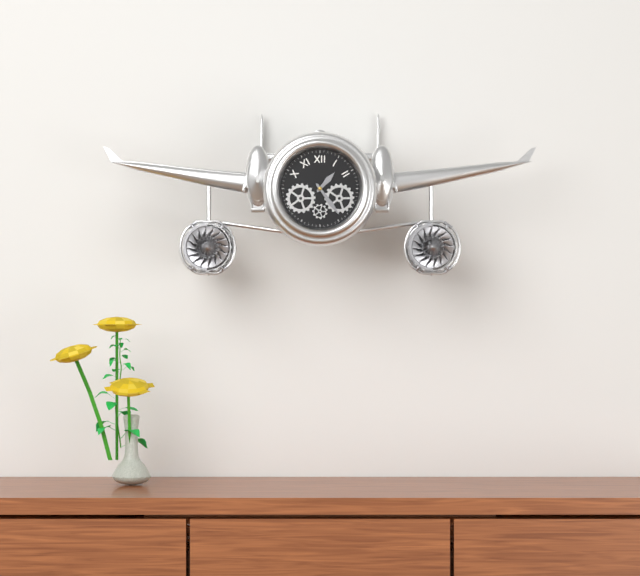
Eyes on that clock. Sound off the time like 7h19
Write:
1h24
